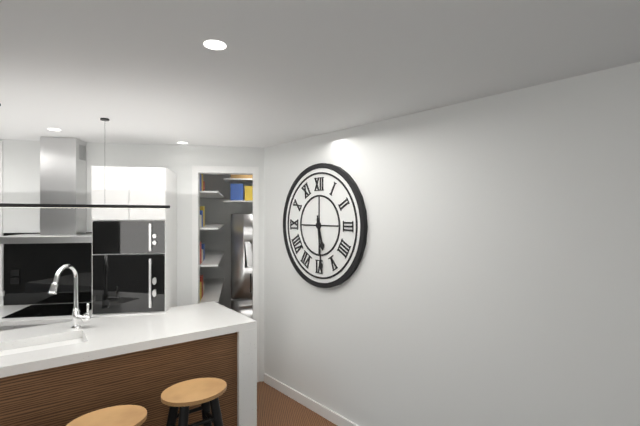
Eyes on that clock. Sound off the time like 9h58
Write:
5h29
